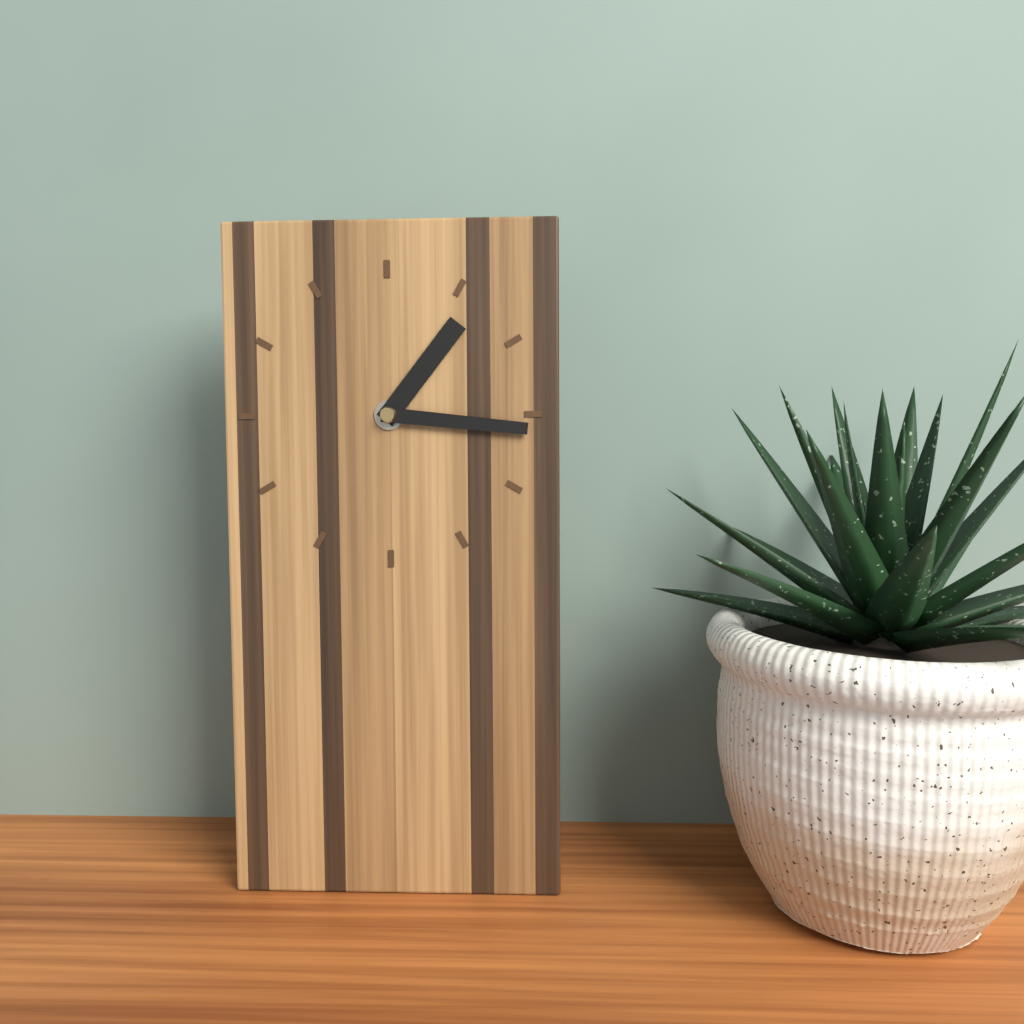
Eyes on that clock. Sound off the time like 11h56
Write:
1h16
